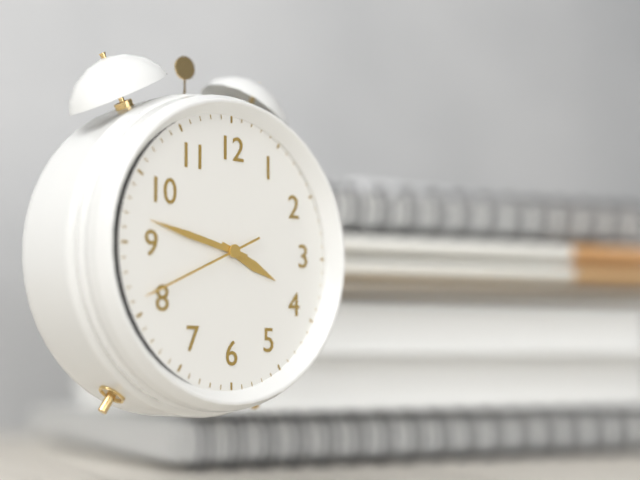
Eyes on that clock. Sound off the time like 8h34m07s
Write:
3h47m41s
